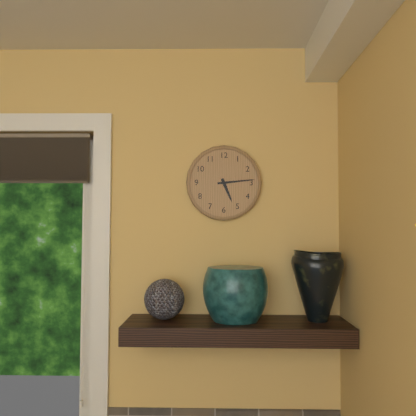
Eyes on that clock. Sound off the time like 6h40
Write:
5h14
